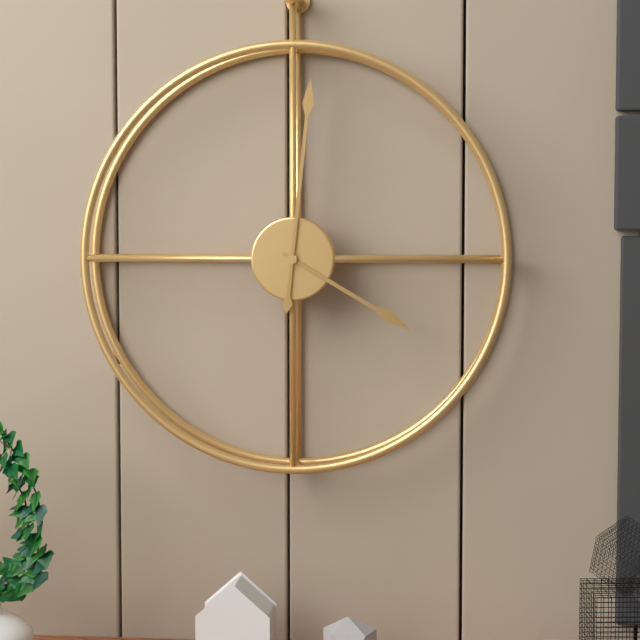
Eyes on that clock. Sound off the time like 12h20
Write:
4h01
